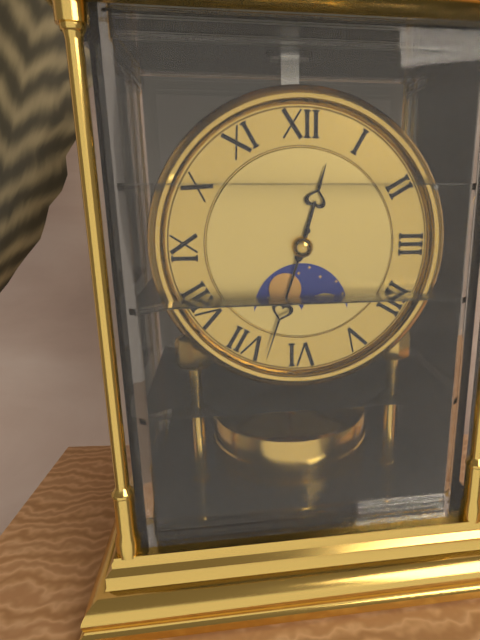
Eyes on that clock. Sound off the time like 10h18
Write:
12h33
